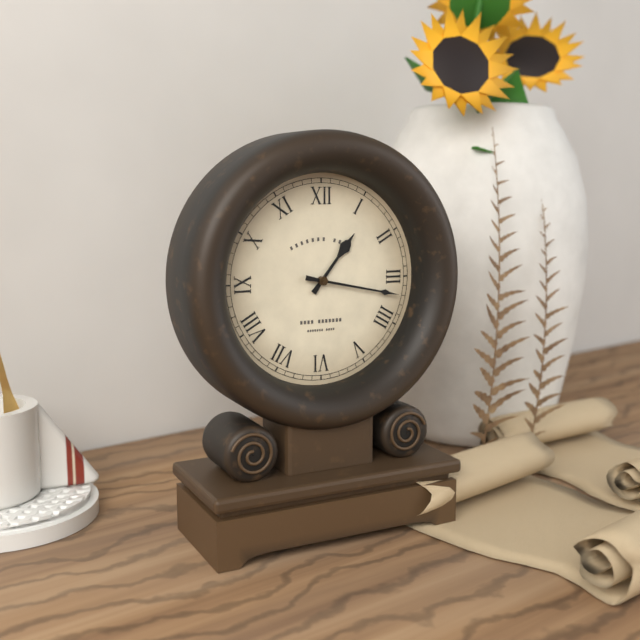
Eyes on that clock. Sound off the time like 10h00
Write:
1h17
